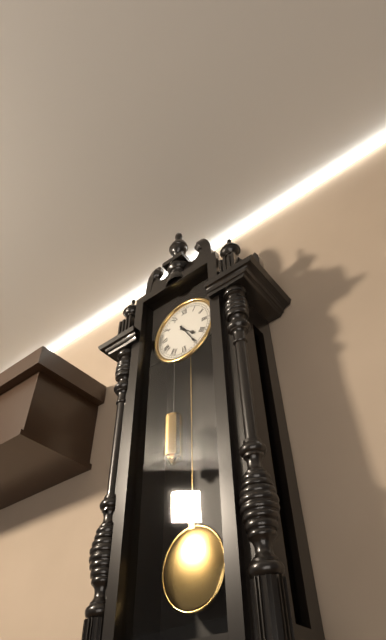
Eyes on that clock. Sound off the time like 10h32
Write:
4h25
